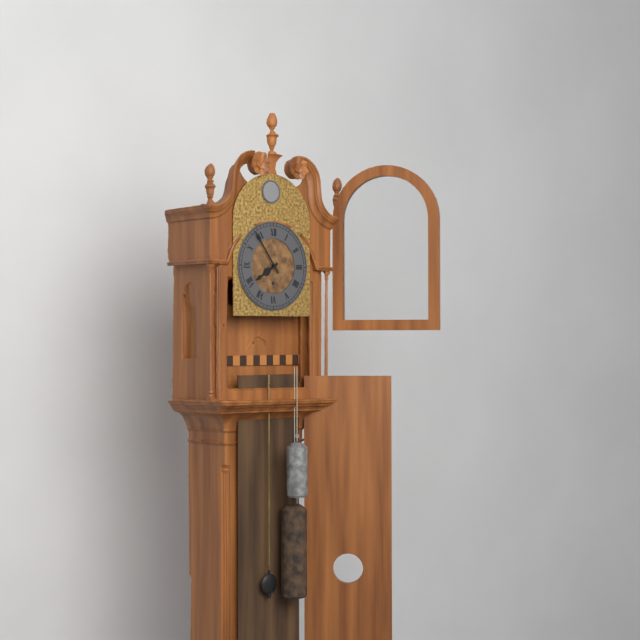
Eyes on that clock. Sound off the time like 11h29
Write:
7h54
